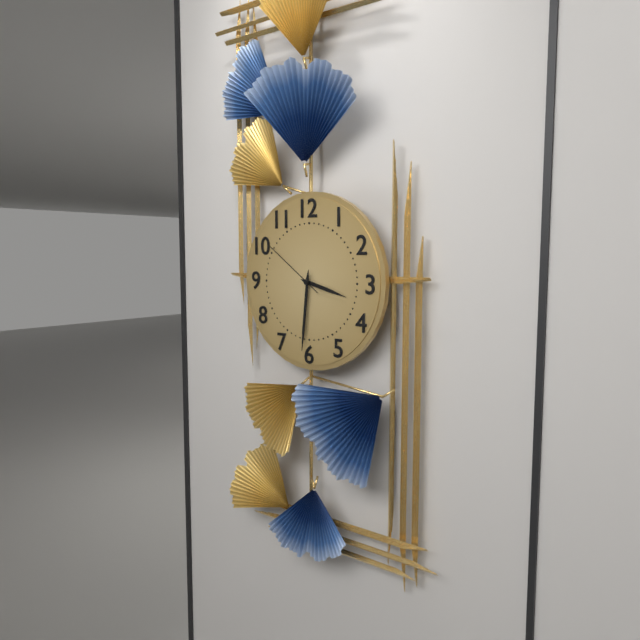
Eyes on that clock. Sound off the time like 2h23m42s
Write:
3h31m51s
